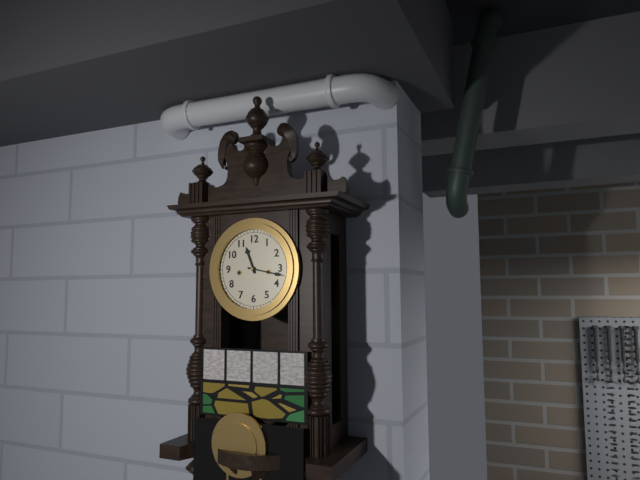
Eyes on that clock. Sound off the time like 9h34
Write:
11h17
